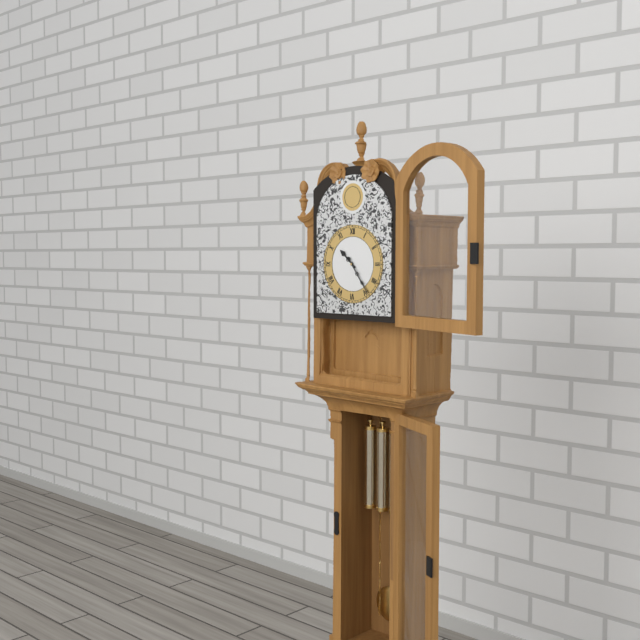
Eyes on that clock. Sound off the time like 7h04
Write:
10h24
